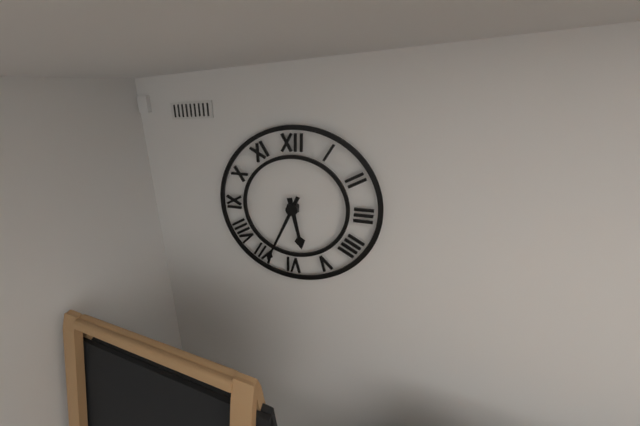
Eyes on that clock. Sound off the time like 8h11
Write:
5h34
